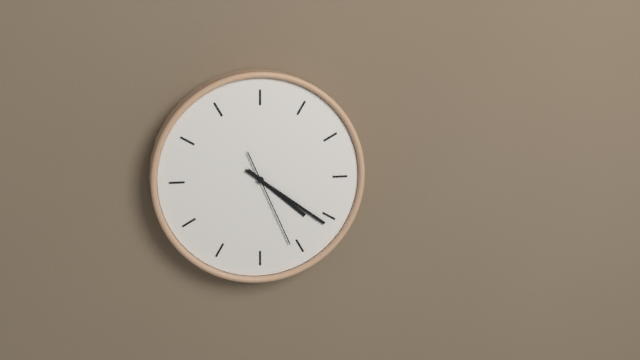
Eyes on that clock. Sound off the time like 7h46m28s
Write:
4h21m26s
